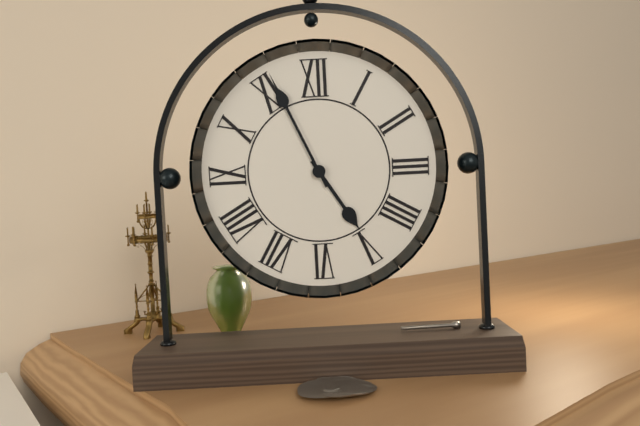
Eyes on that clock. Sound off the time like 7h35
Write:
4h56
